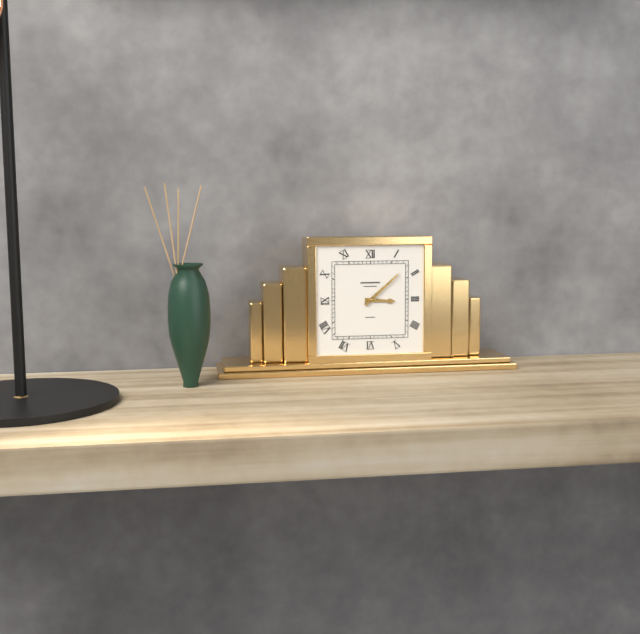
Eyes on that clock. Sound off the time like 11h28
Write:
3h08
